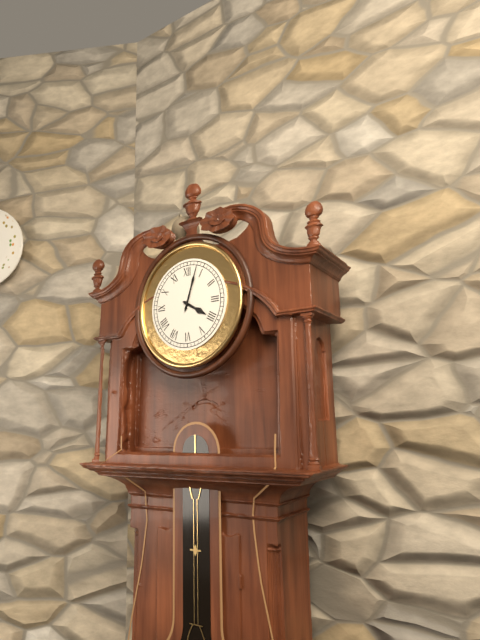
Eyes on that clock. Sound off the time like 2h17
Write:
4h03
